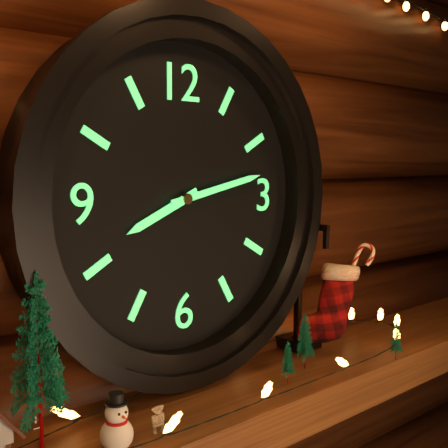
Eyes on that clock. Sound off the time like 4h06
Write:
8h13
